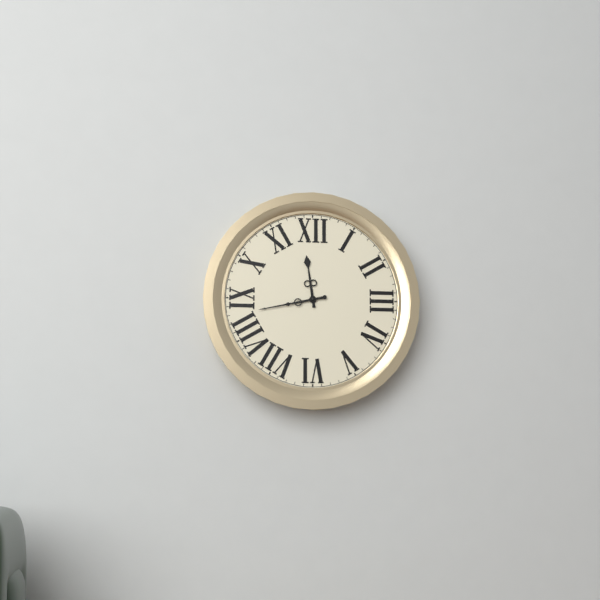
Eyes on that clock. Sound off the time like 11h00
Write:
11h43
